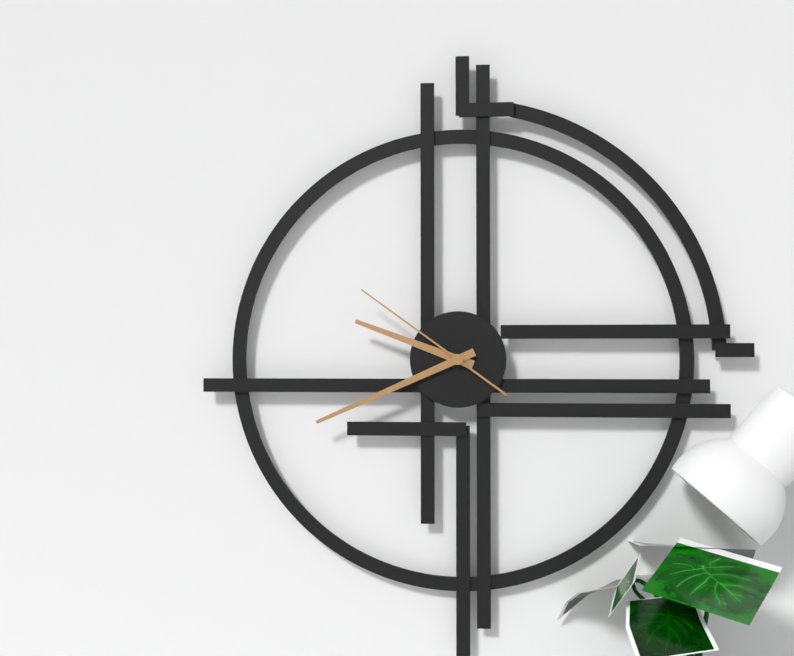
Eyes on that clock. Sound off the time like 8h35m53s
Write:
9h41m51s
